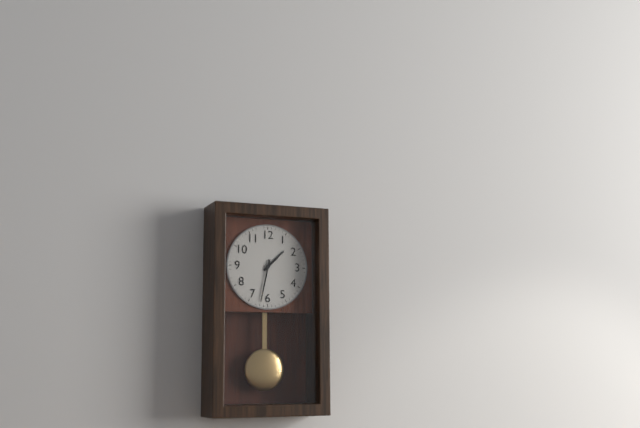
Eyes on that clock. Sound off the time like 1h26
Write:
1h32
